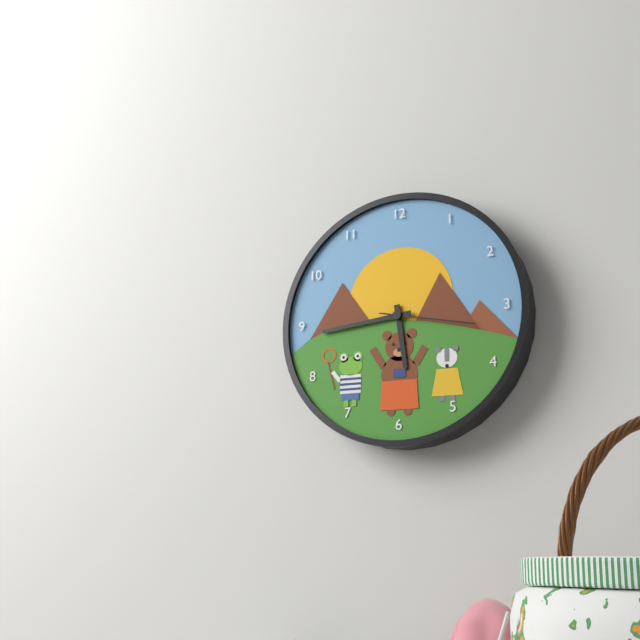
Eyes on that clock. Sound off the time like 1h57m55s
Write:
5h44m17s
